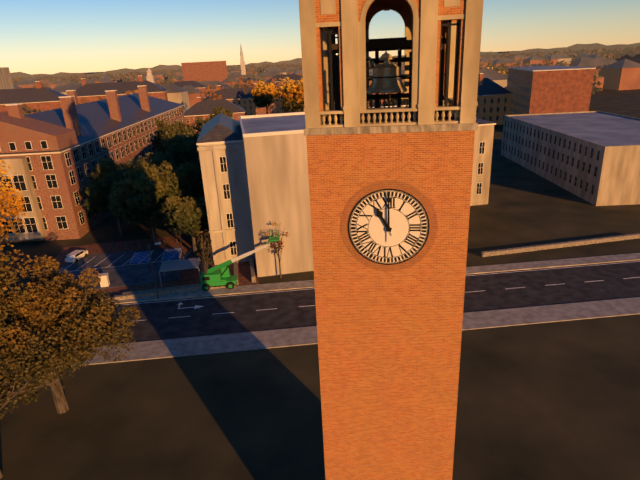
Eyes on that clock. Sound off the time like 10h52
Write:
11h00
